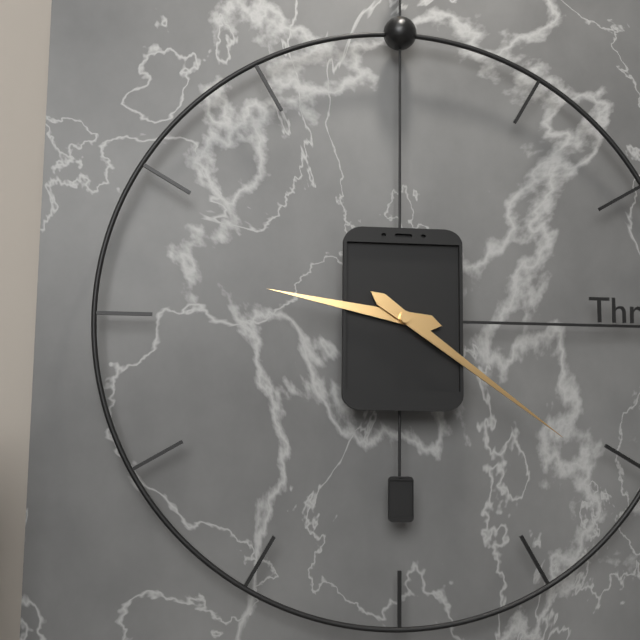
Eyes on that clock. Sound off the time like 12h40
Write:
9h21
